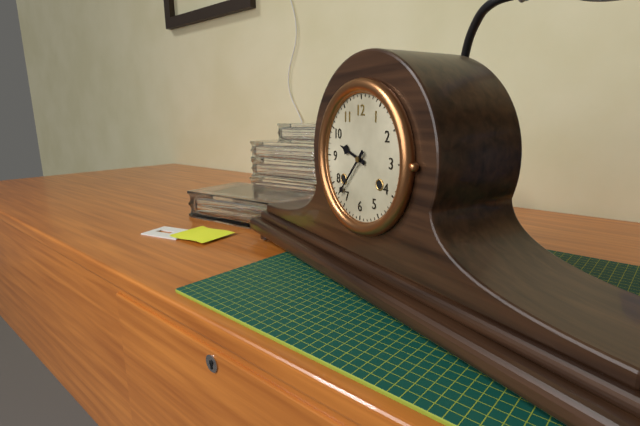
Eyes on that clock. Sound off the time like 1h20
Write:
9h37
